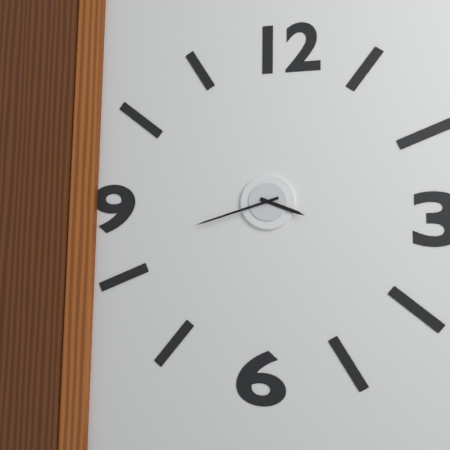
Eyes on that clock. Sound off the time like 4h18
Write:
3h42
